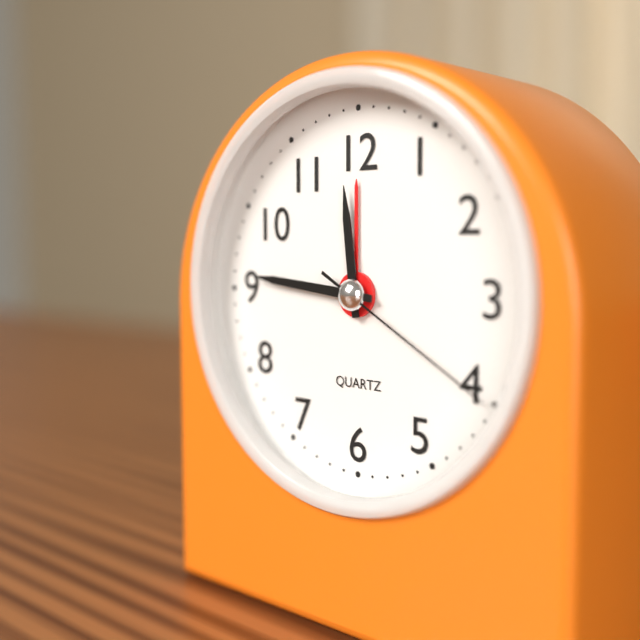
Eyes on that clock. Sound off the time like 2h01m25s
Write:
11h46m20s
